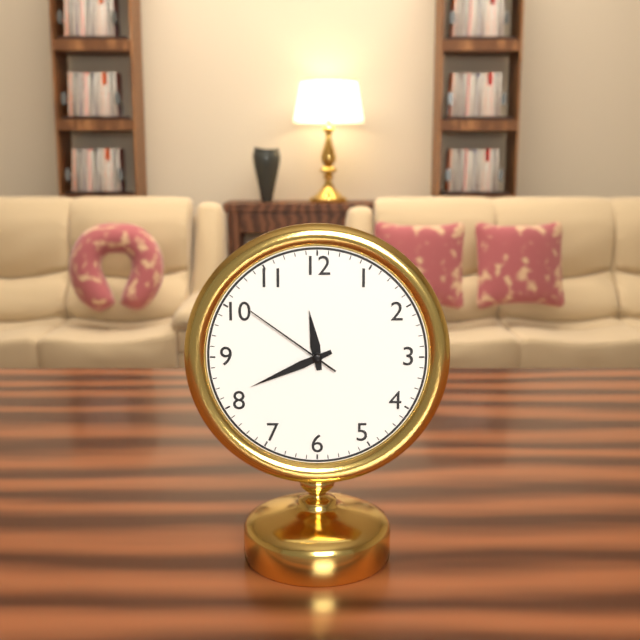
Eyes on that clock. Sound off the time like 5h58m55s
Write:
11h41m51s
